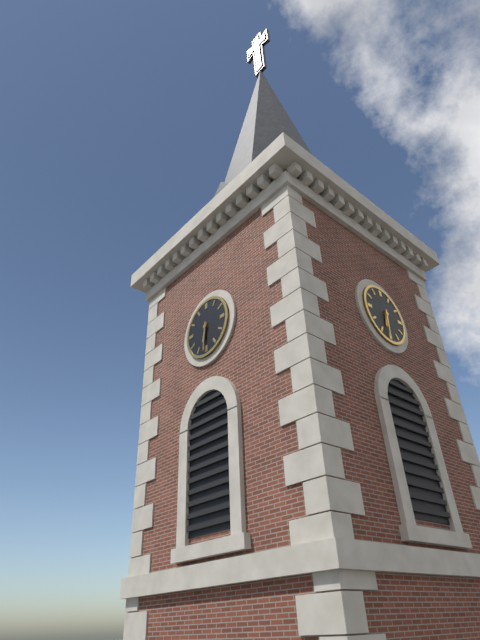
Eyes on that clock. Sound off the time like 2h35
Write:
6h31
